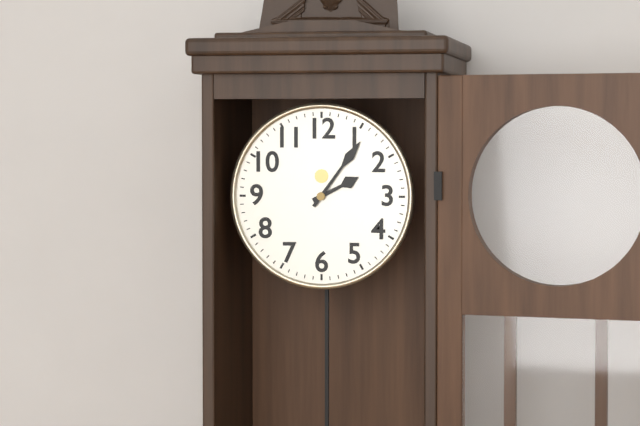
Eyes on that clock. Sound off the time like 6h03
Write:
2h06
